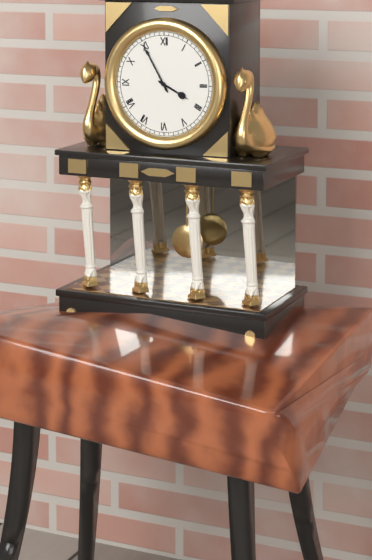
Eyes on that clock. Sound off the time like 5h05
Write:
3h55
